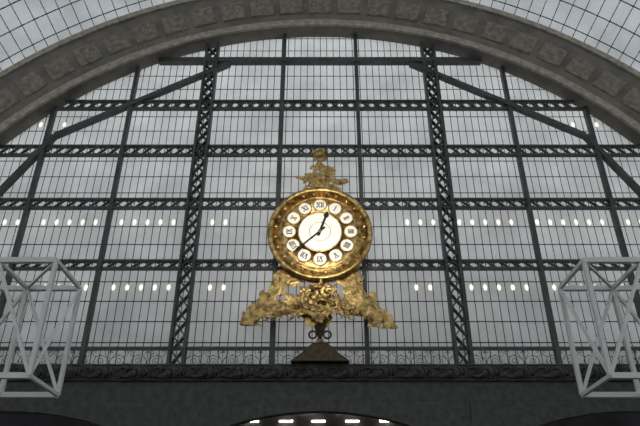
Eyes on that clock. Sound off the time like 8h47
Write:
12h38
